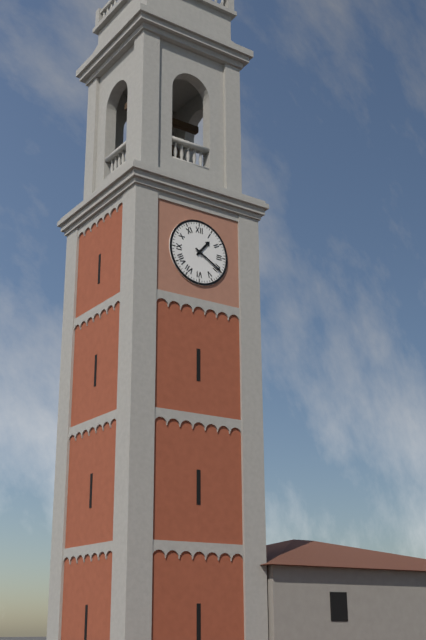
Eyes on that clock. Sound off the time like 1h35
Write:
1h20
